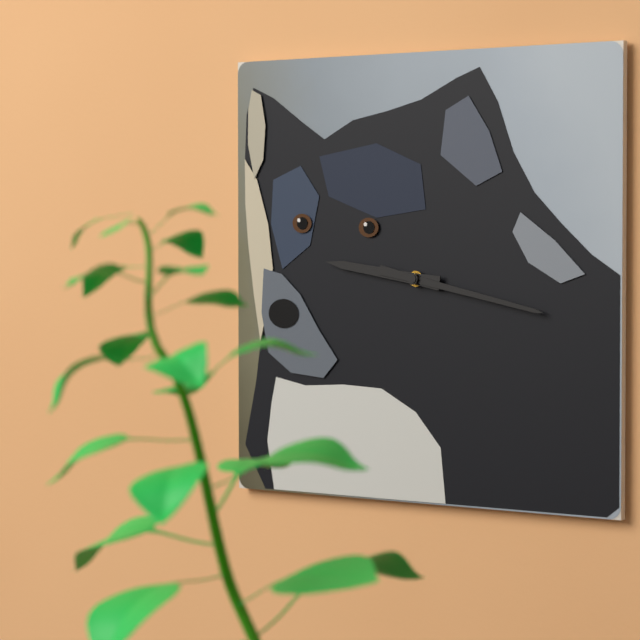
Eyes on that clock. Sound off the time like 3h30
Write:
9h17
